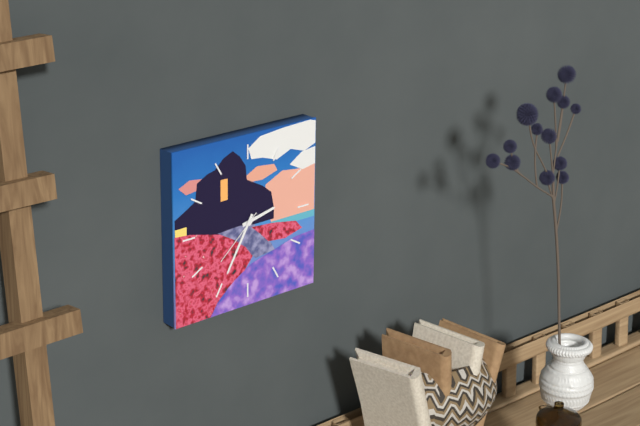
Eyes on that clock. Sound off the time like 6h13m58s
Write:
2h35m38s
